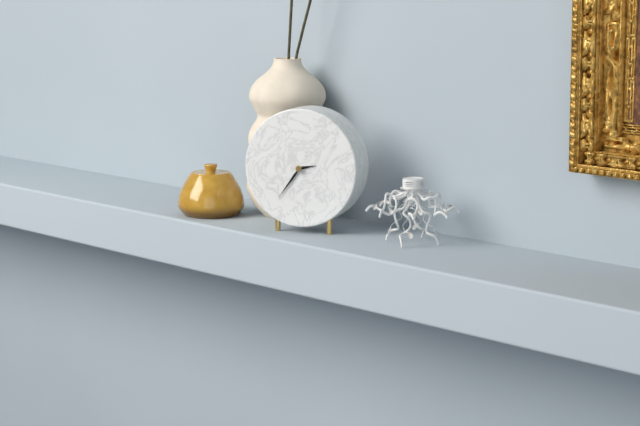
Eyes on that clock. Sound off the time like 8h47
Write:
2h36
